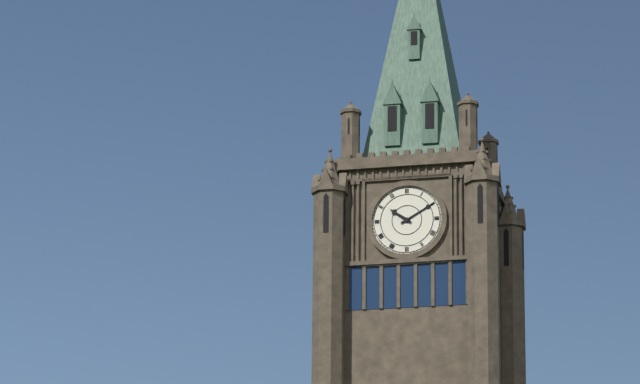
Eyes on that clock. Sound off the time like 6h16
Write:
10h10
